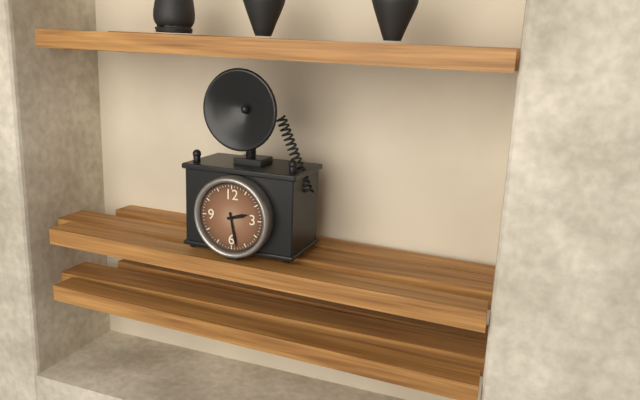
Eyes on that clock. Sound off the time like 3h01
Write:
2h28
